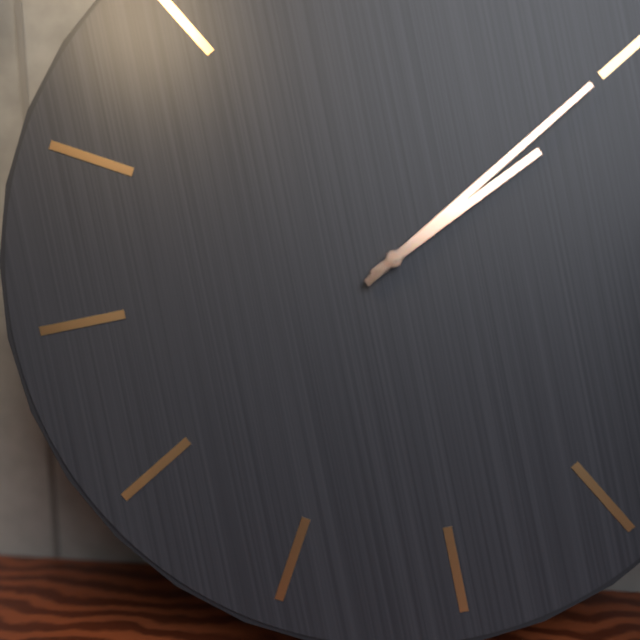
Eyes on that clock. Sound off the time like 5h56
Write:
2h10
